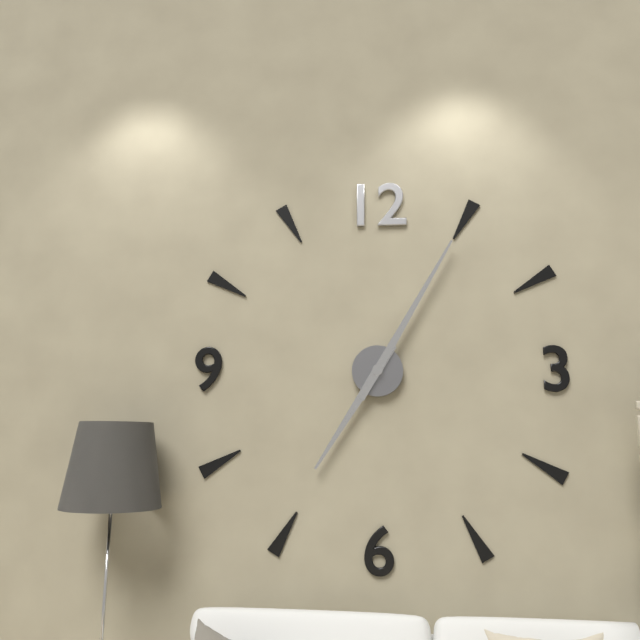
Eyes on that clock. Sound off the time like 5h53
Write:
7h05
